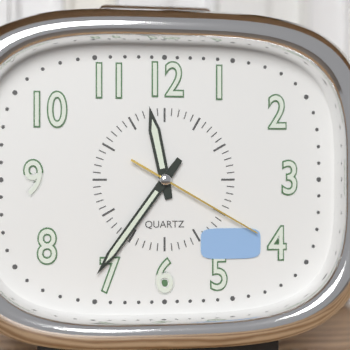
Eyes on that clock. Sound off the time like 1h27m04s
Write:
11h36m20s
